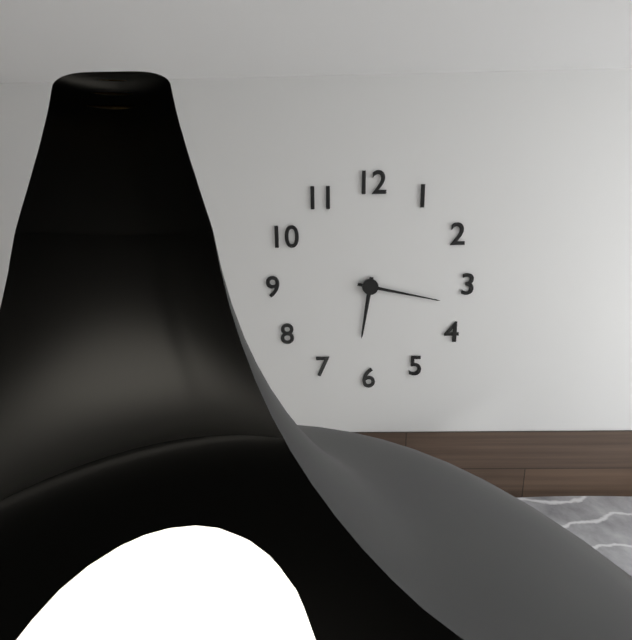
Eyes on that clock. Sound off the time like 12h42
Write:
6h17
